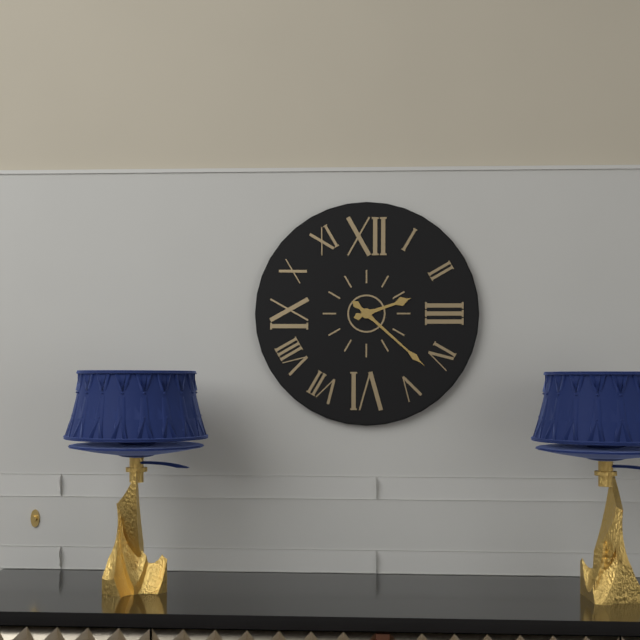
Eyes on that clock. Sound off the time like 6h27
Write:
2h22
